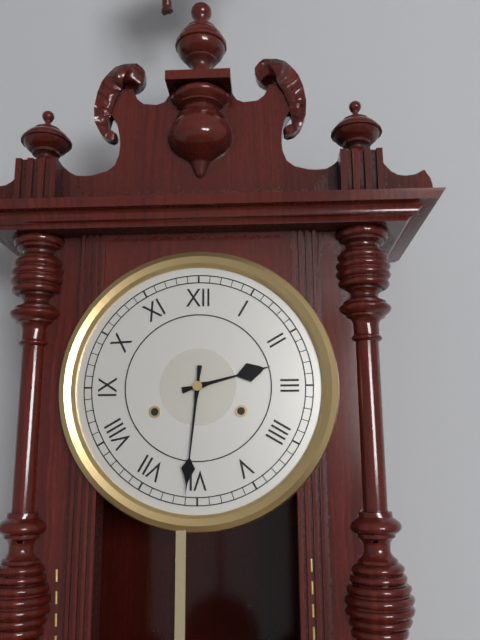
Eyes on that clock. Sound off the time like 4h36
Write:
2h31
